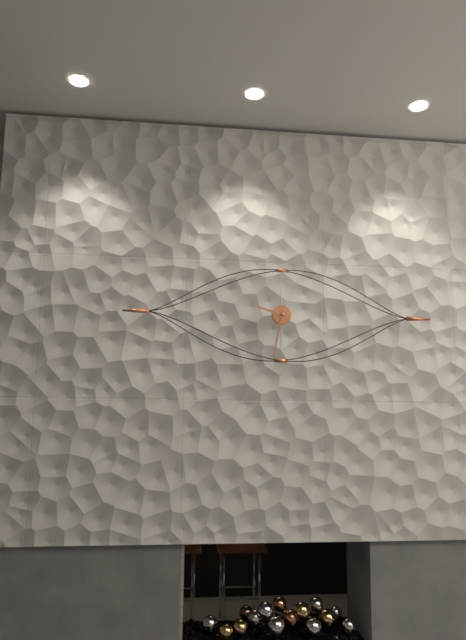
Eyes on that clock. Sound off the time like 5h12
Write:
9h32
